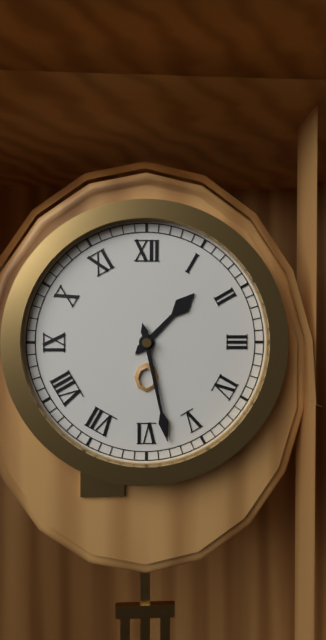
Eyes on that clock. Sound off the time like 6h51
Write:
1h28
